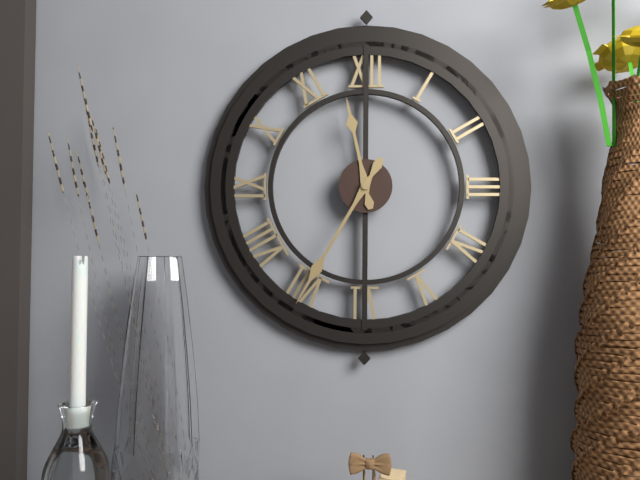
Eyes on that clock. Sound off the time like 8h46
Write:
11h35
